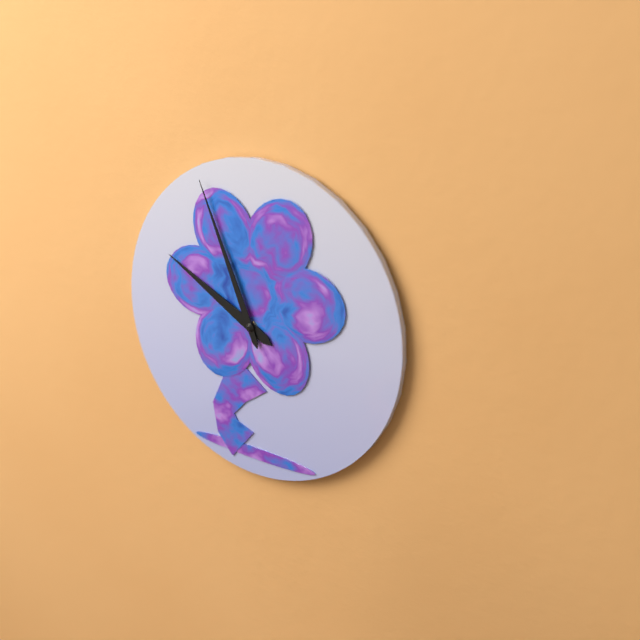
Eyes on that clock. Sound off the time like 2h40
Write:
9h56
